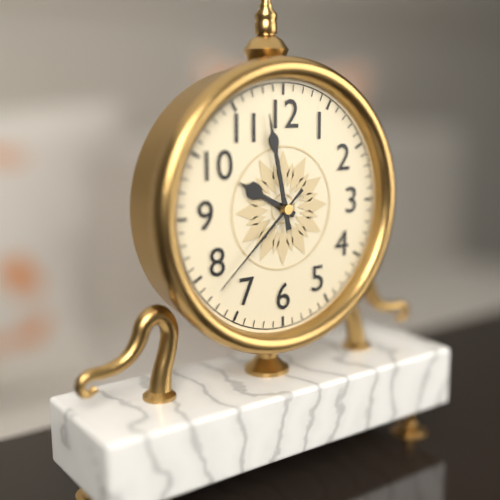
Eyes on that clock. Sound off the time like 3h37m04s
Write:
9h58m38s
